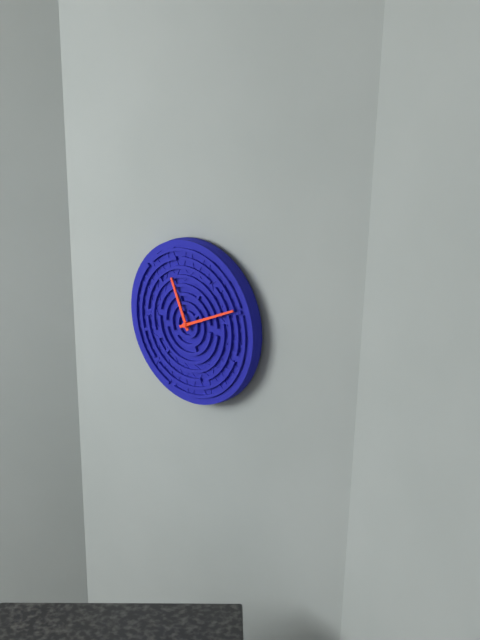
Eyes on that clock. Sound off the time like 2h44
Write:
11h11
